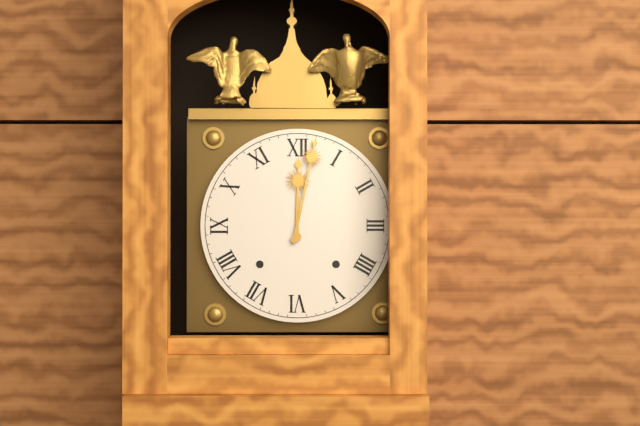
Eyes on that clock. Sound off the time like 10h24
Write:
12h02
